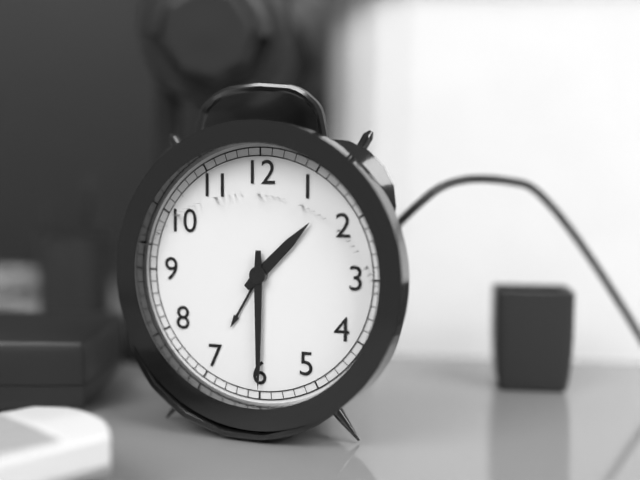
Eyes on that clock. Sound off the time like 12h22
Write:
1h30
